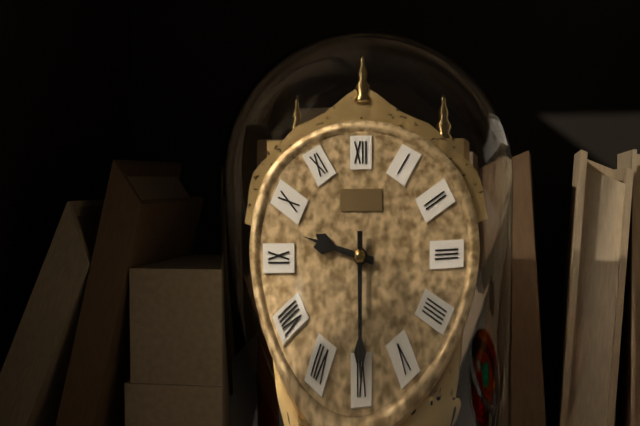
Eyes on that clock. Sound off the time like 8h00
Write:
9h30
